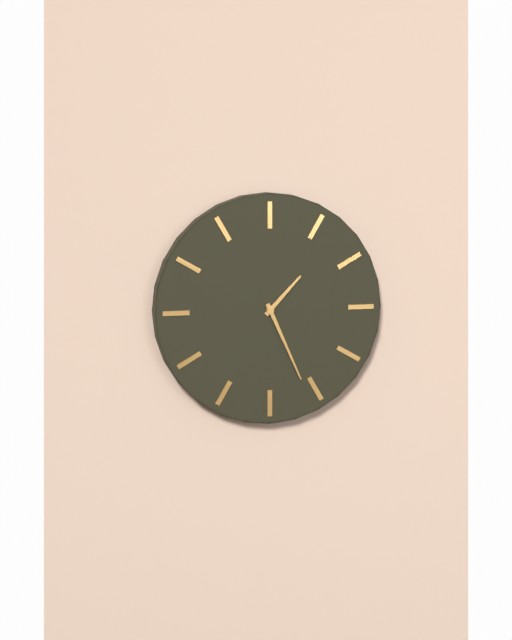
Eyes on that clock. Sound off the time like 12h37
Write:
1h26
